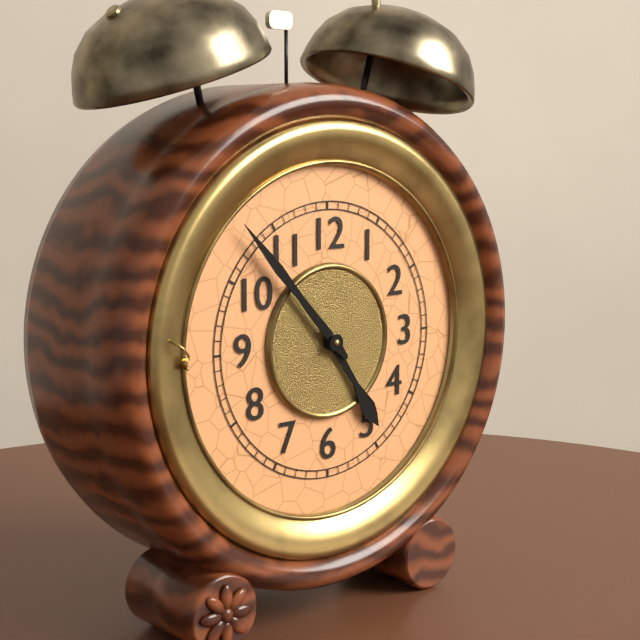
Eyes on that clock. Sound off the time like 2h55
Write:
4h53
